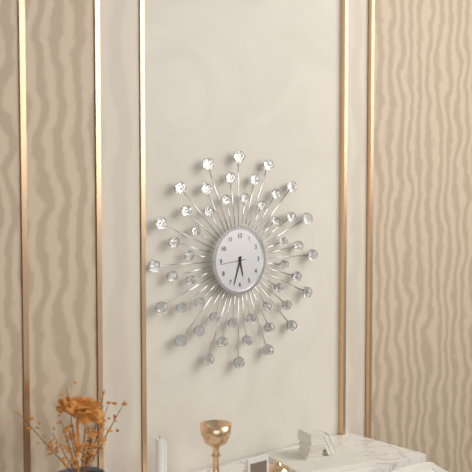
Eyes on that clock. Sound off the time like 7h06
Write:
5h33
